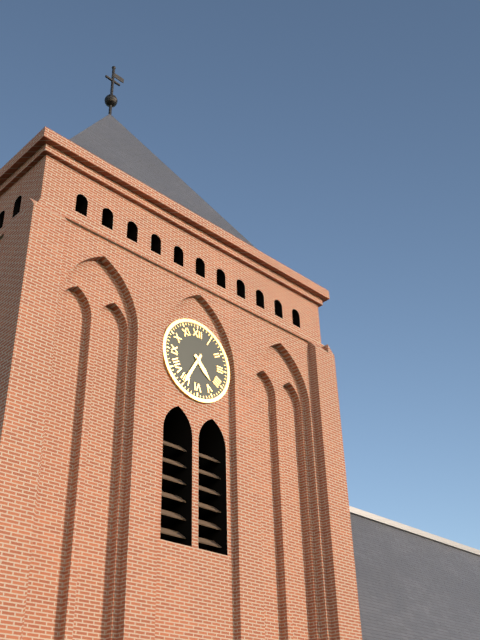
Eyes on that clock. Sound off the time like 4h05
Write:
4h35
